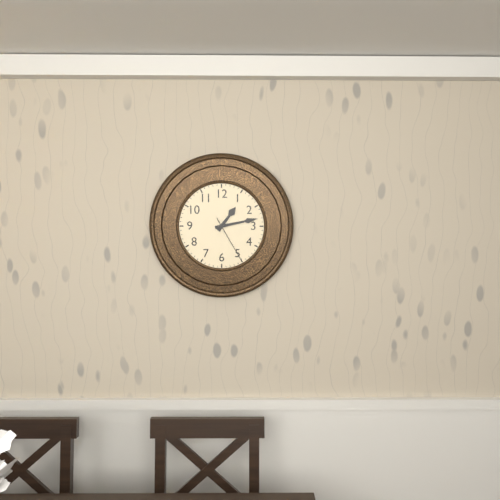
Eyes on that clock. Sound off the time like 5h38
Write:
1h13
